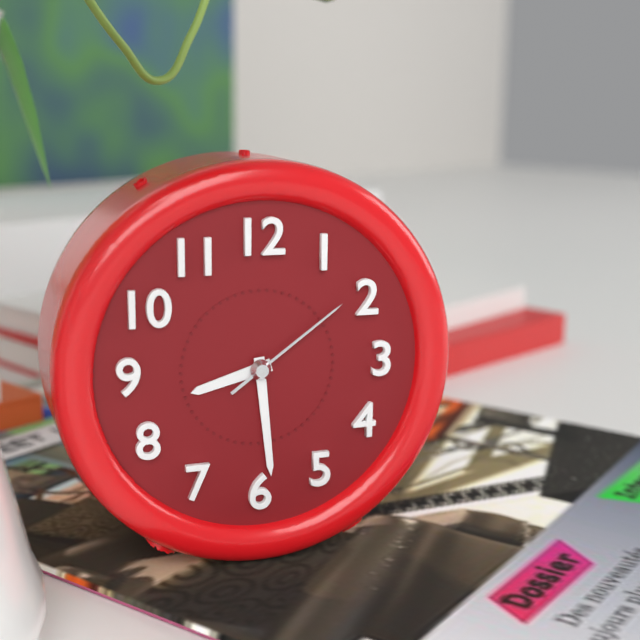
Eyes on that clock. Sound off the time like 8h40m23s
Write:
8h29m09s
